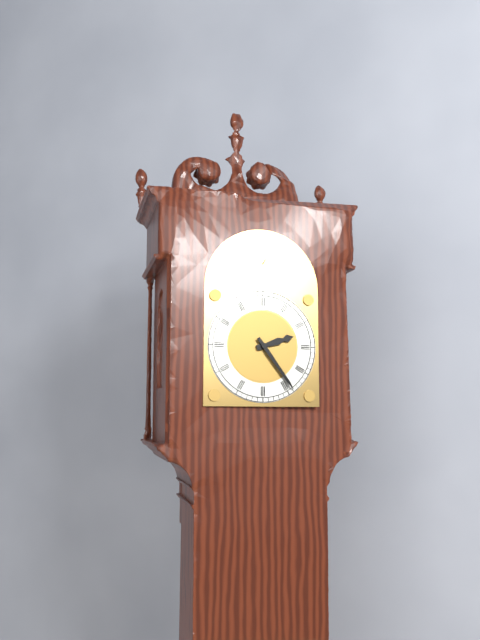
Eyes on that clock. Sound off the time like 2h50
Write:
2h24
